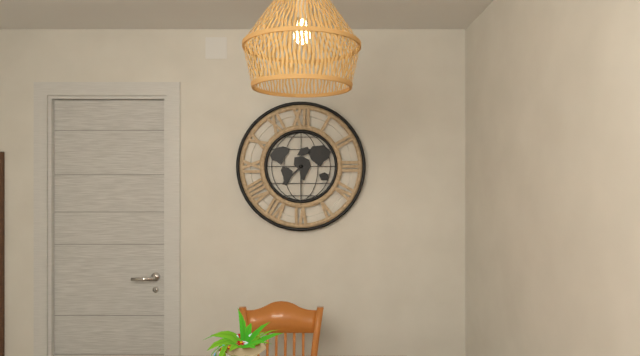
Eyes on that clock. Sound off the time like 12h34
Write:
7h30
